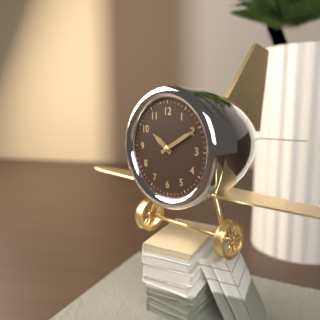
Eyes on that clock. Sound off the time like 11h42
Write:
10h10
